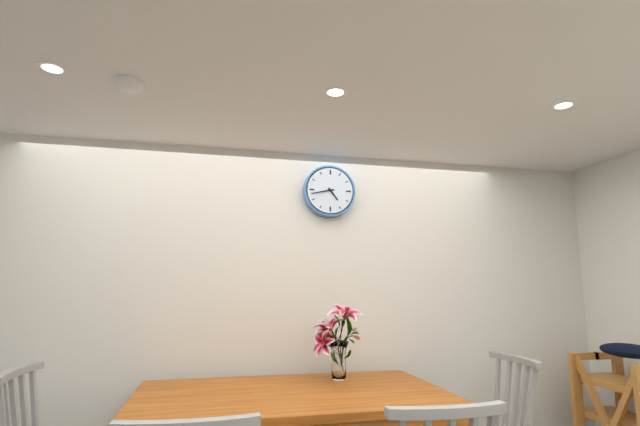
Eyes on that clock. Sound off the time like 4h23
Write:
4h43
